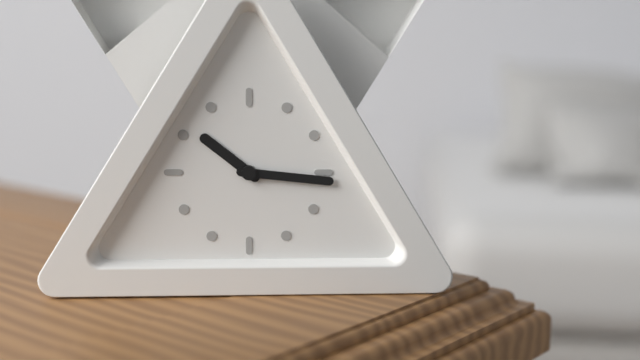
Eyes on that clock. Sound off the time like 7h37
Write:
10h16
